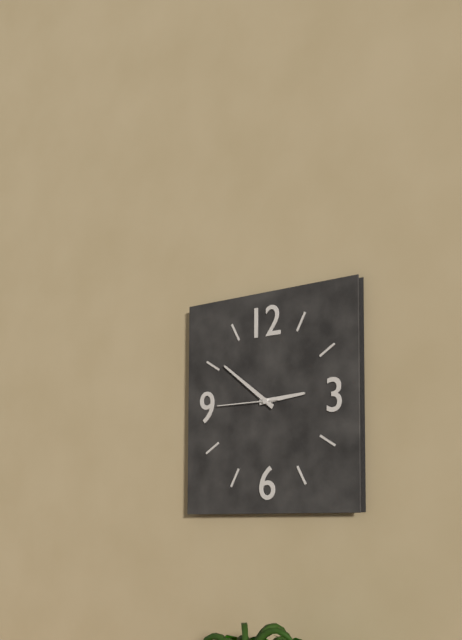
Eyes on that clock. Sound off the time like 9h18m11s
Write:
2h51m45s
